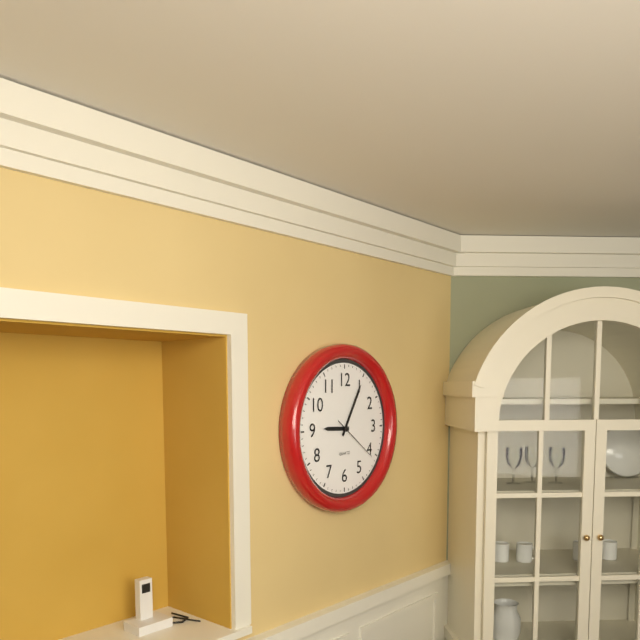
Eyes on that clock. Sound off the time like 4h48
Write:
9h05
